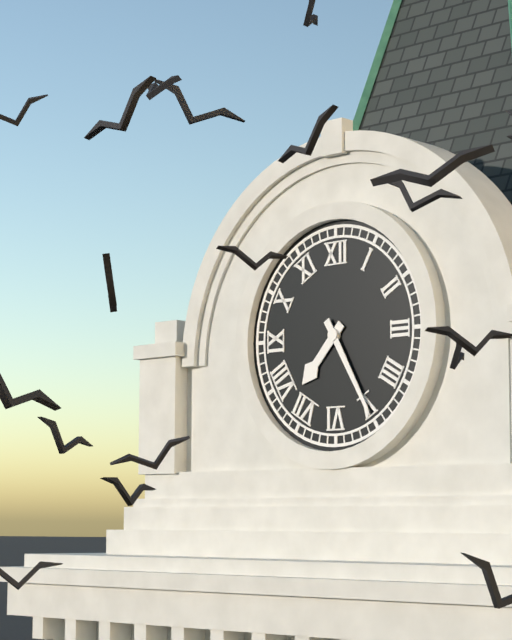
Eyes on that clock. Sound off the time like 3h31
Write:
7h25
